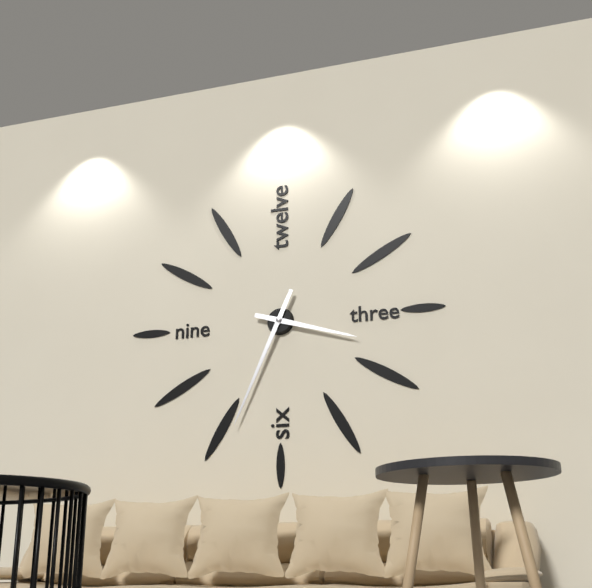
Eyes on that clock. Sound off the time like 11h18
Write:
3h34
